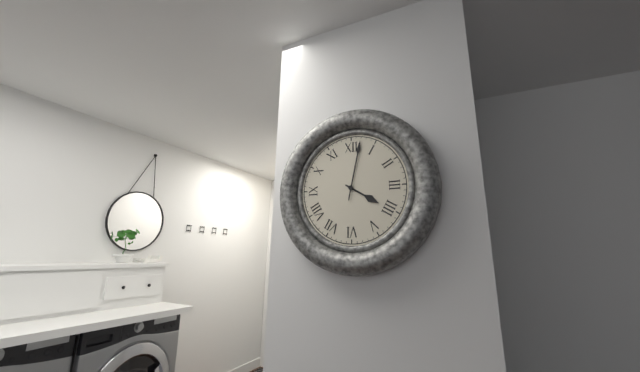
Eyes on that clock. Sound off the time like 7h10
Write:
4h02
